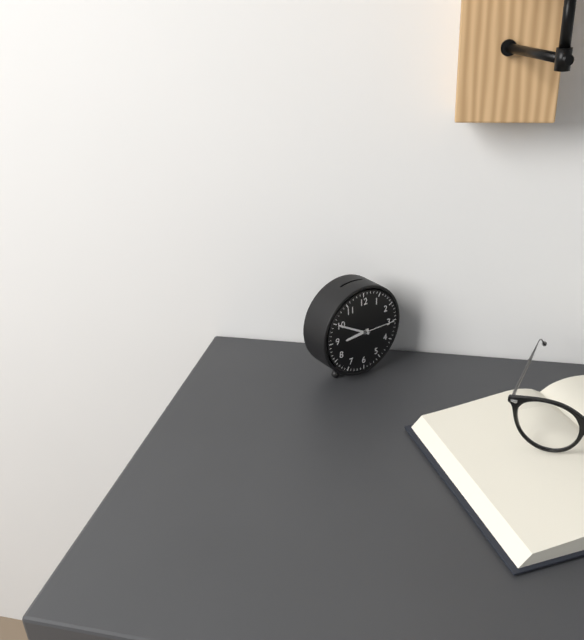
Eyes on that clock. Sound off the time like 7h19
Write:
8h50
